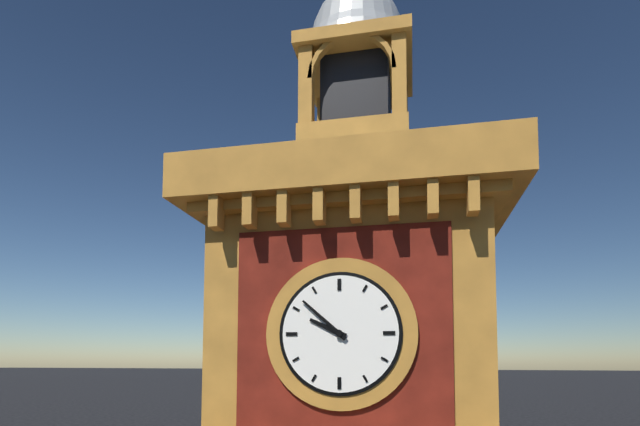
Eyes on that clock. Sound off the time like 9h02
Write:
9h52
